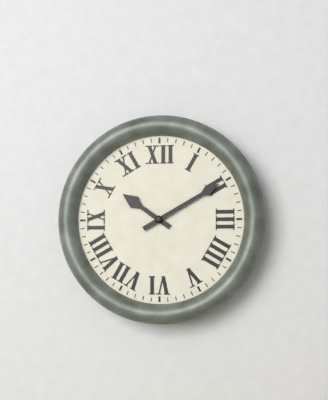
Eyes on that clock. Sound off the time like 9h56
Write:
10h10
